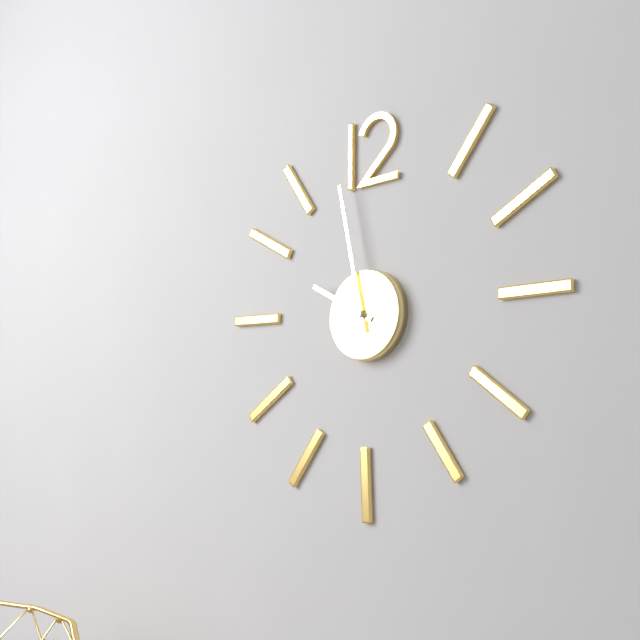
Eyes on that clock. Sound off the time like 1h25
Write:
9h58
